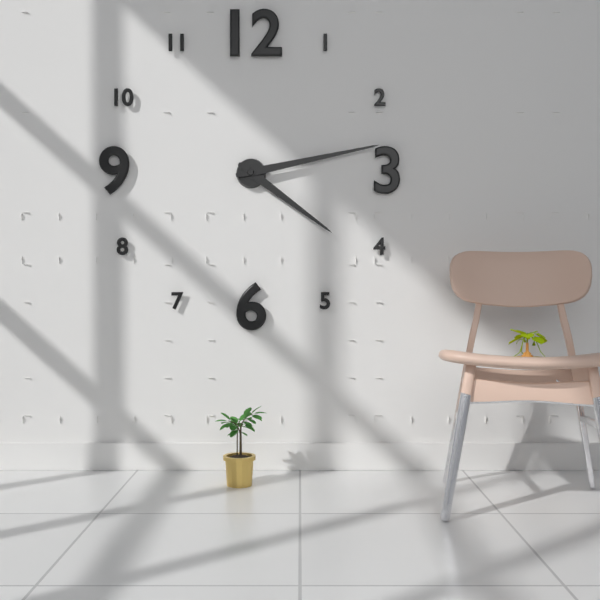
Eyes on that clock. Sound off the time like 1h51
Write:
4h13
